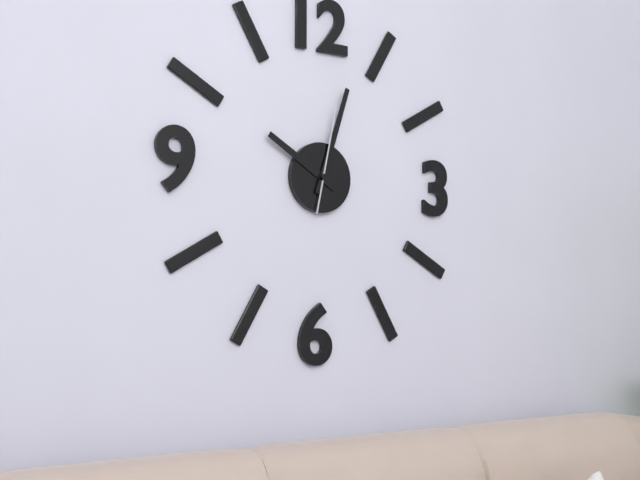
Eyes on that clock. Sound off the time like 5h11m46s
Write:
10h03m02s
